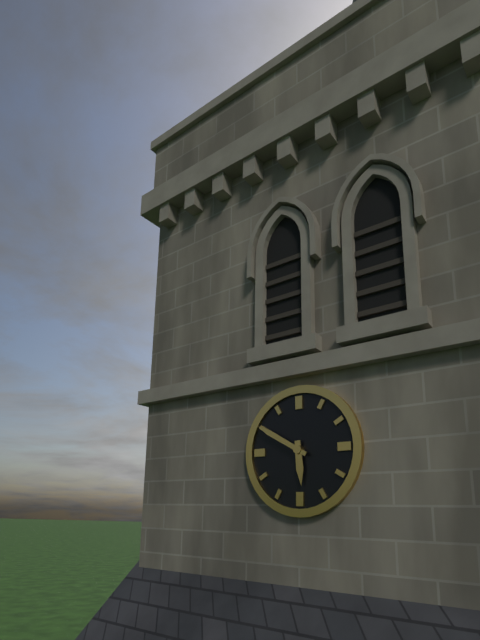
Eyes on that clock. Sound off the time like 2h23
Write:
5h50
